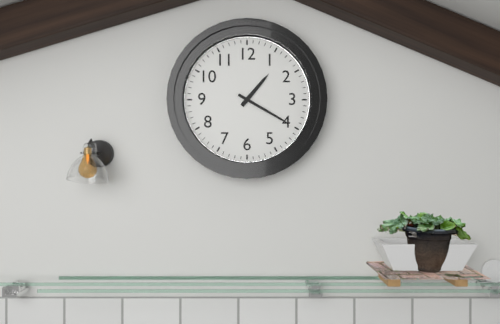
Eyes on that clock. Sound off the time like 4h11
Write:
1h20
